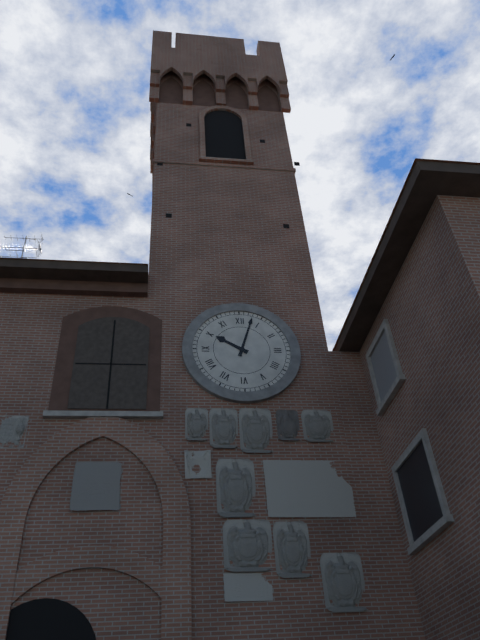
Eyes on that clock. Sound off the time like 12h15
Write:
10h03
